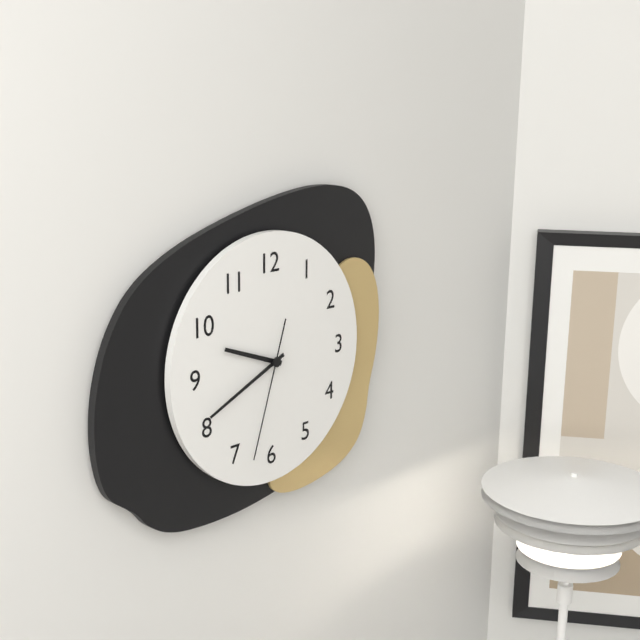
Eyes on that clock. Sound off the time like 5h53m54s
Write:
9h41m33s
